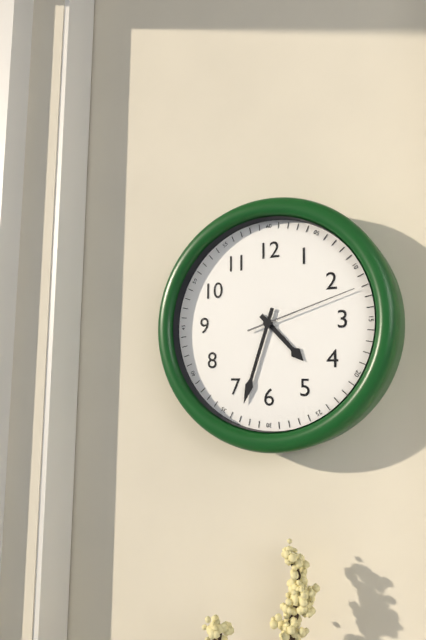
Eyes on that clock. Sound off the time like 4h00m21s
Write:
4h33m12s
